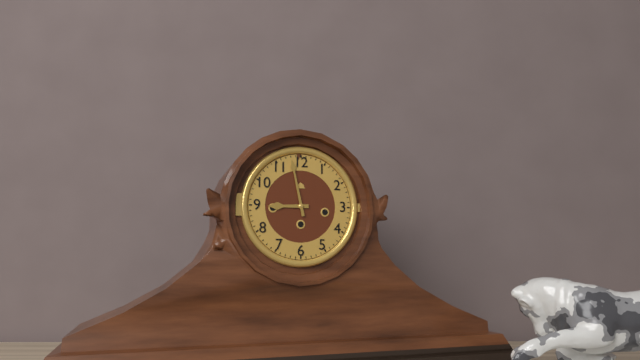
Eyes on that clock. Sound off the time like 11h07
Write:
8h58
